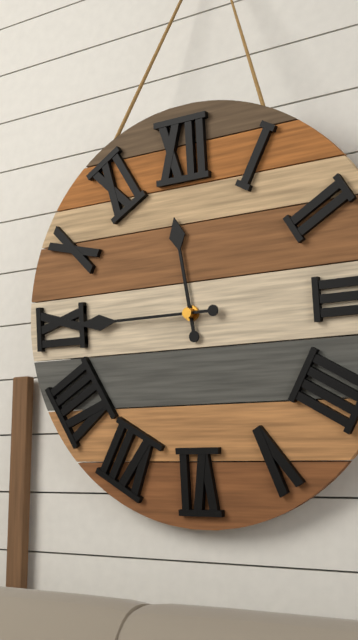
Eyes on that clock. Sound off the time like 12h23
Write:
11h45
